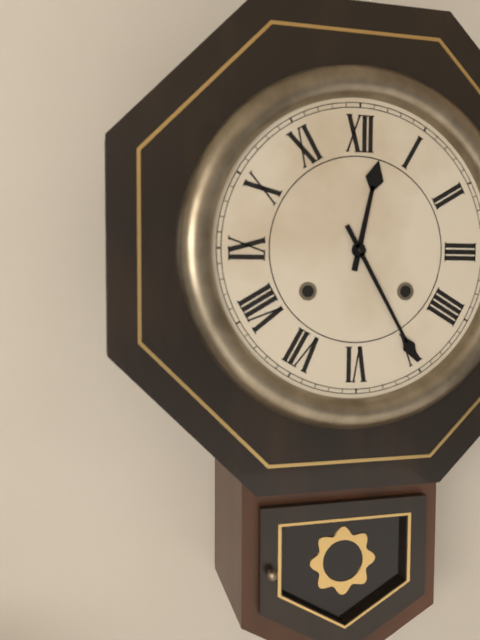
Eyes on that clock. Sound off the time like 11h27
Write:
12h25
